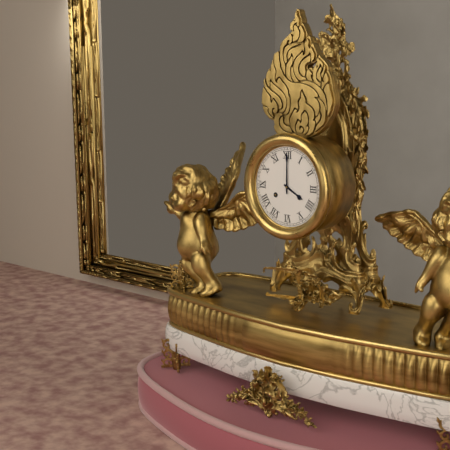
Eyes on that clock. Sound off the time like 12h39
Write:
4h00
